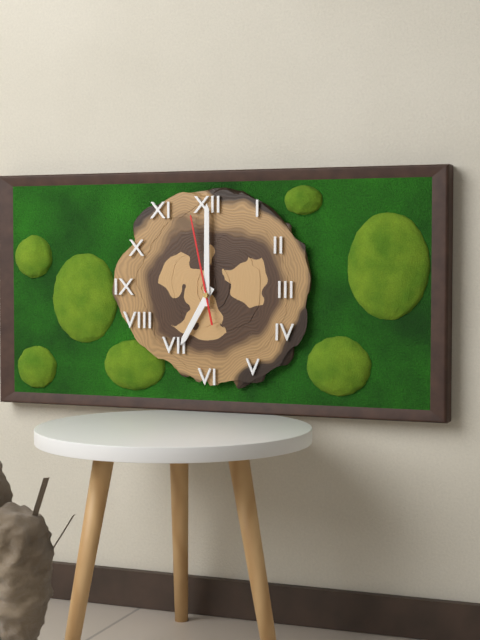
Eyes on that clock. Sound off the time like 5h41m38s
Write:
7h00m58s
